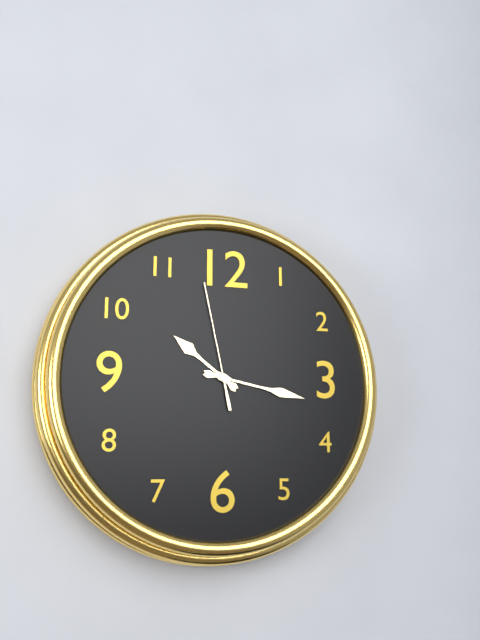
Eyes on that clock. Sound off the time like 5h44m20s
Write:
10h17m58s
